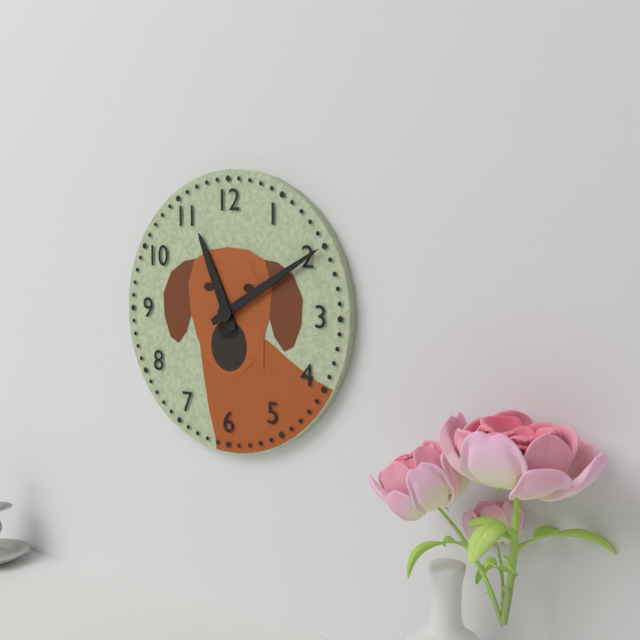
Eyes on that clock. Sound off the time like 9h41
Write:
11h10
